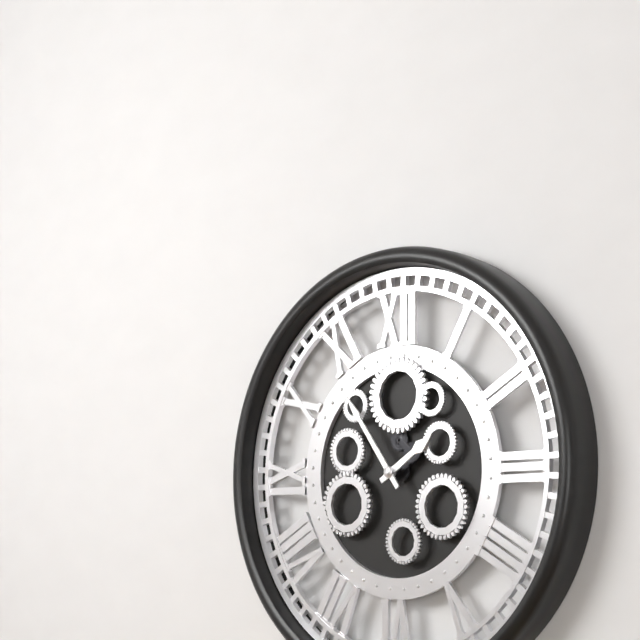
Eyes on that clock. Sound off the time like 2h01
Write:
1h54
